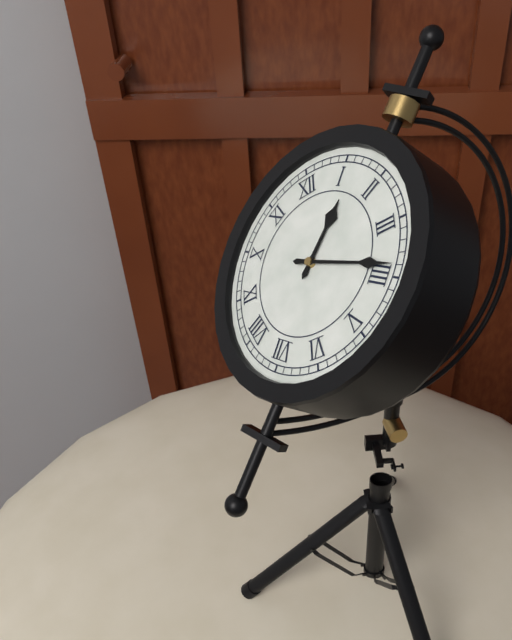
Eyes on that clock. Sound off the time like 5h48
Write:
1h19
